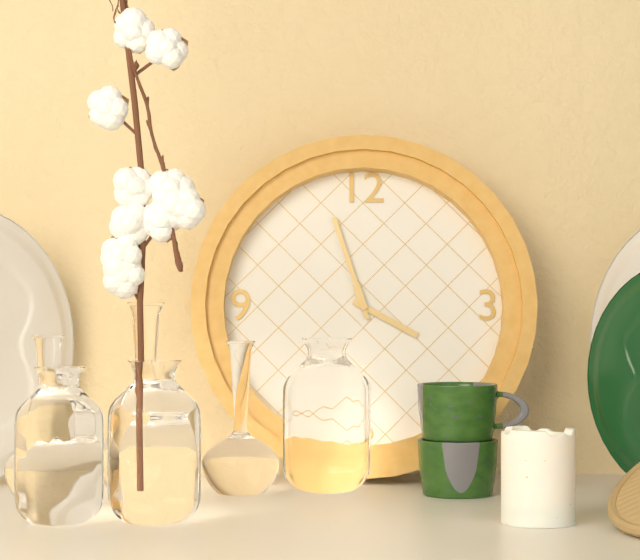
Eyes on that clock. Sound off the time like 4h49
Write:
3h57
